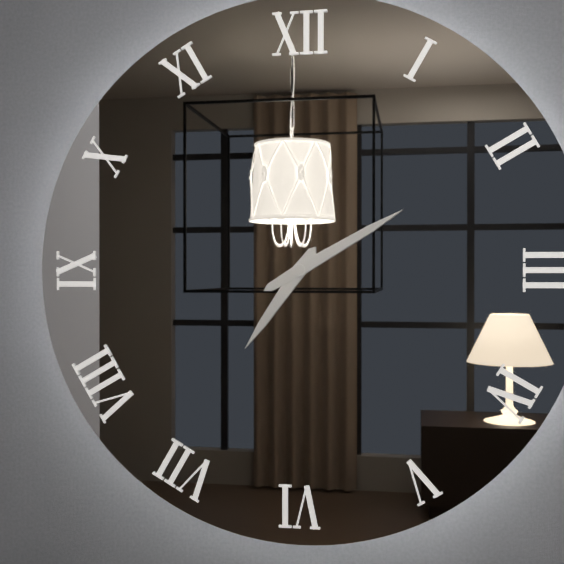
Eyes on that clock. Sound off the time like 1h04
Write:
7h10
